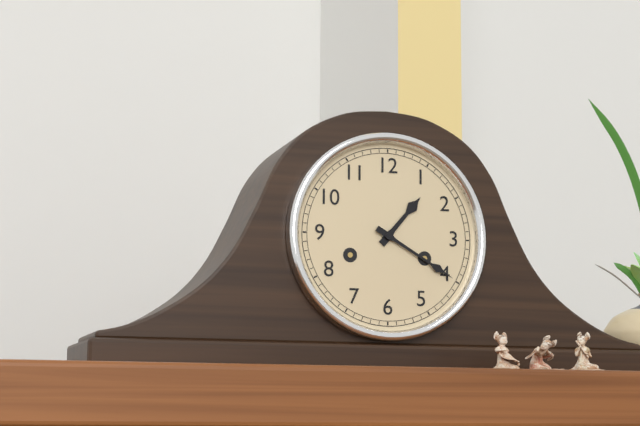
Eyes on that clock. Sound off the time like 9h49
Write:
1h20
